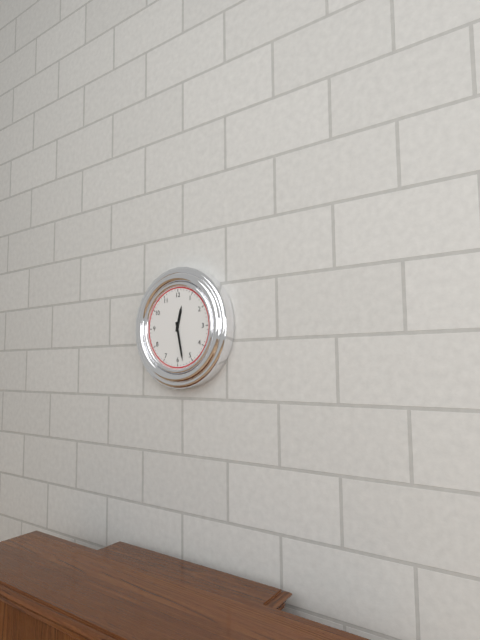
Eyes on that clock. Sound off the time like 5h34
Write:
12h28
